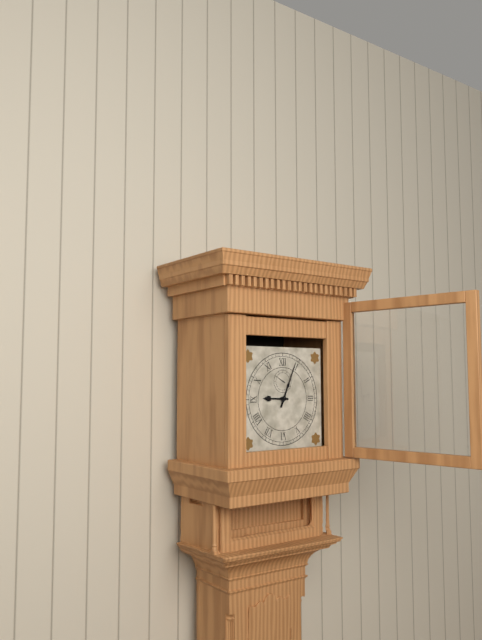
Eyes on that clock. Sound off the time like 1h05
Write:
9h04
